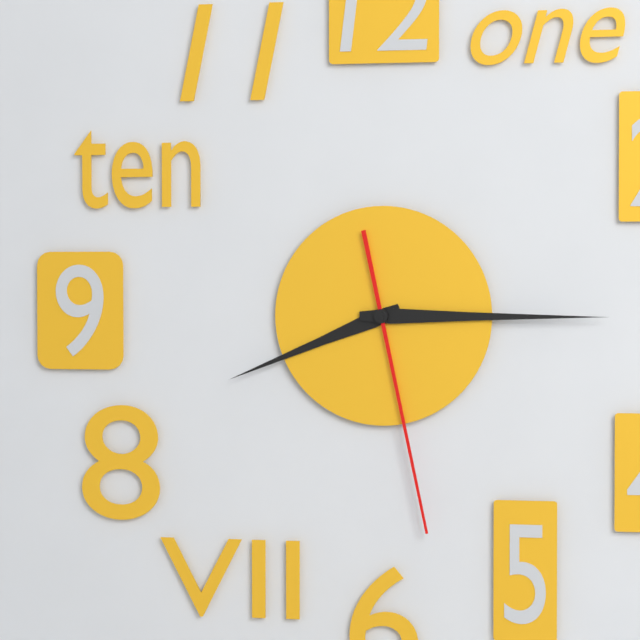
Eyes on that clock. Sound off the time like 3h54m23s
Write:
8h15m28s
